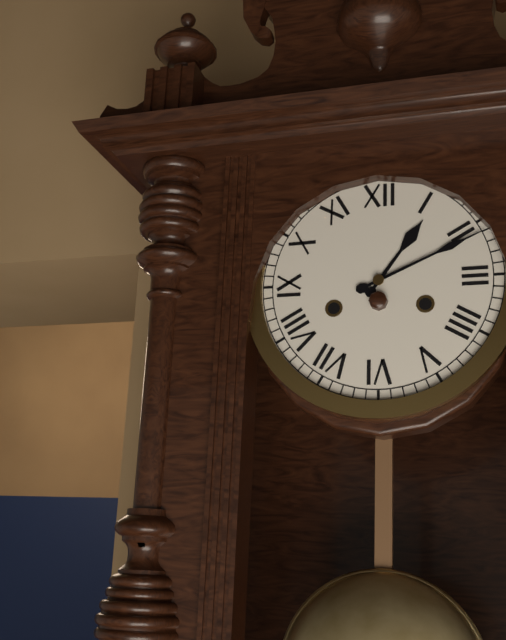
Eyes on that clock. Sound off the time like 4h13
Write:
1h11
